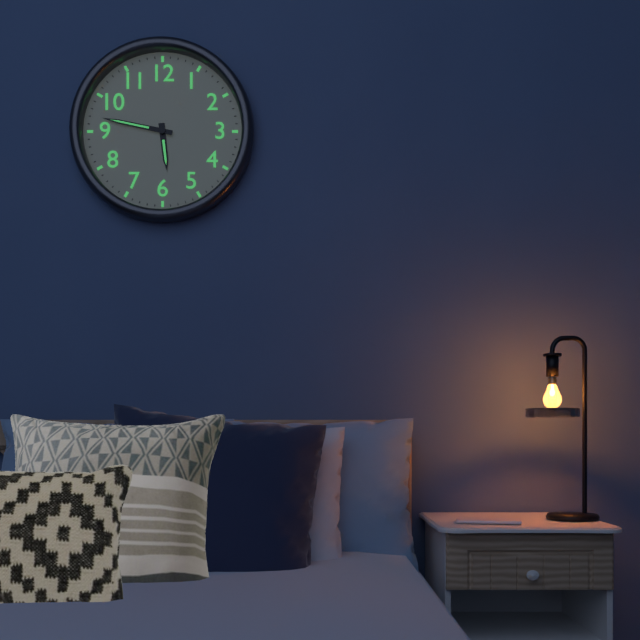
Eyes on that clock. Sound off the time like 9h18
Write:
5h47
